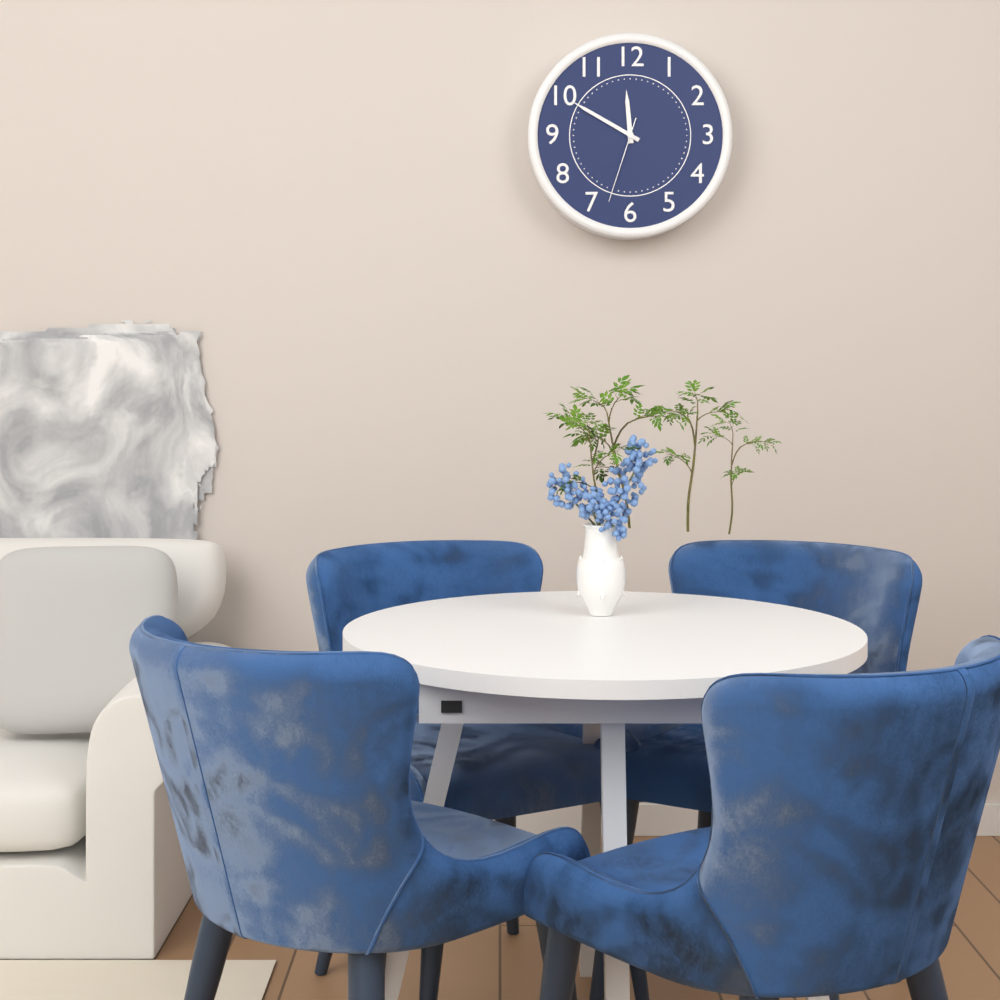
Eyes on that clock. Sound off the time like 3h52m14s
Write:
11h50m33s
